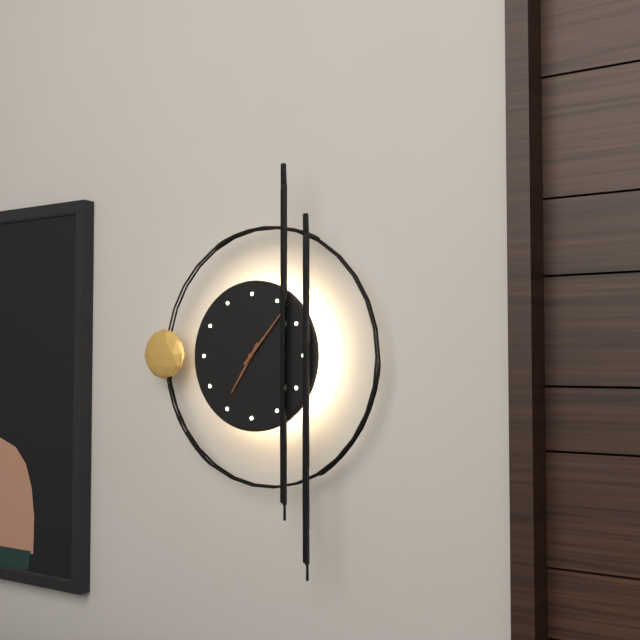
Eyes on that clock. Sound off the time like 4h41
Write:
7h07
